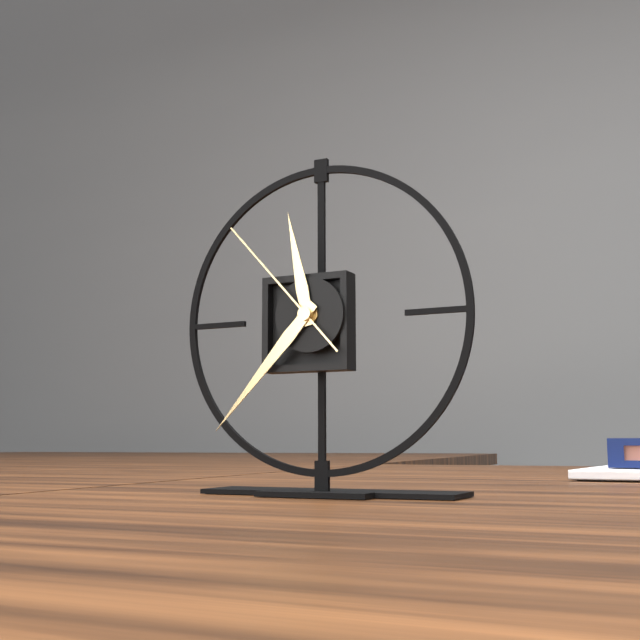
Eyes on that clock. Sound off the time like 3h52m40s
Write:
11h37m53s
